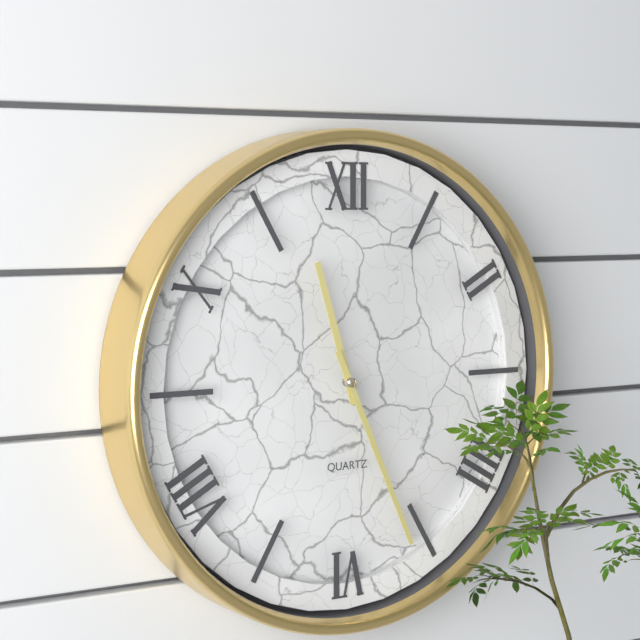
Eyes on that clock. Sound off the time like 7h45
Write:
11h26
